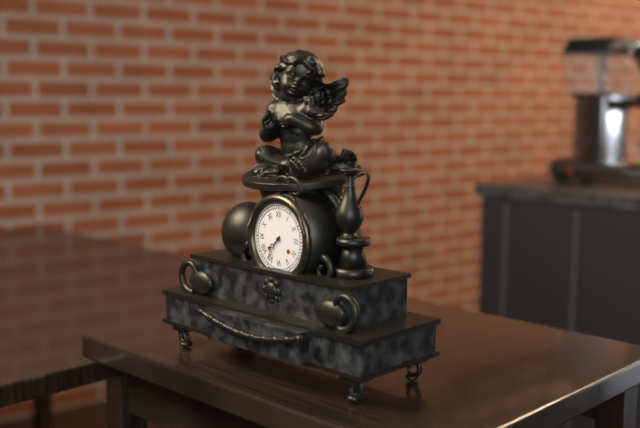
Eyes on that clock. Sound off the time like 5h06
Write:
7h36
